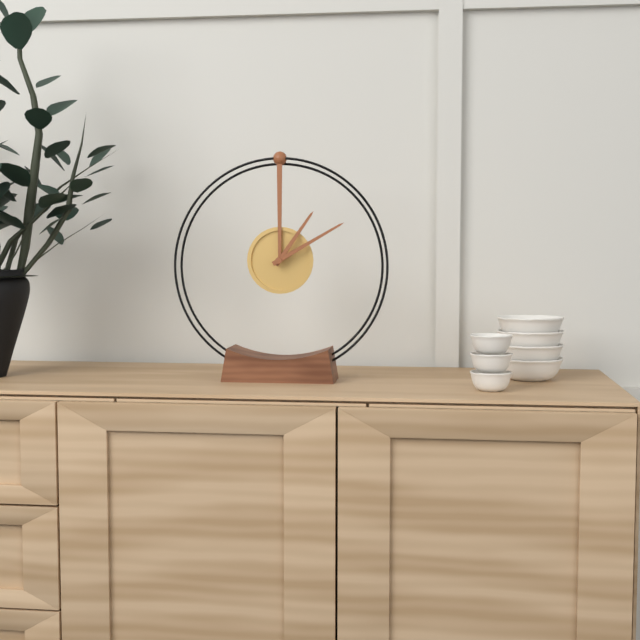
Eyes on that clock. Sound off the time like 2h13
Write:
1h10
